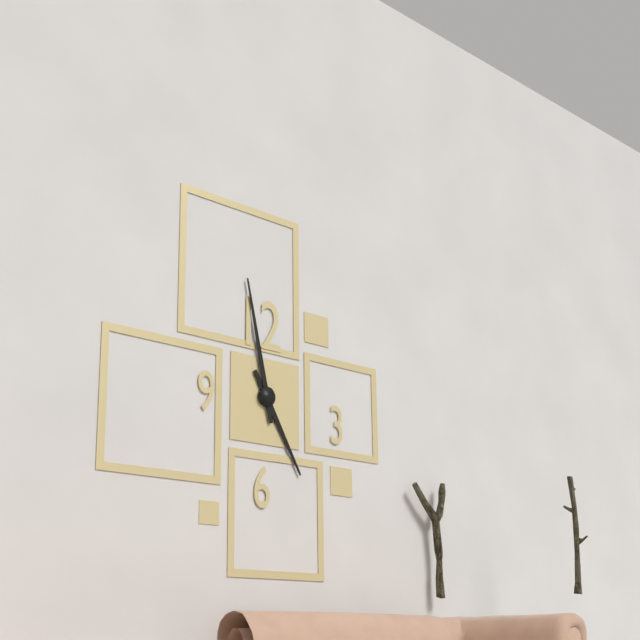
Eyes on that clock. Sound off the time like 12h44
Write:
4h58
